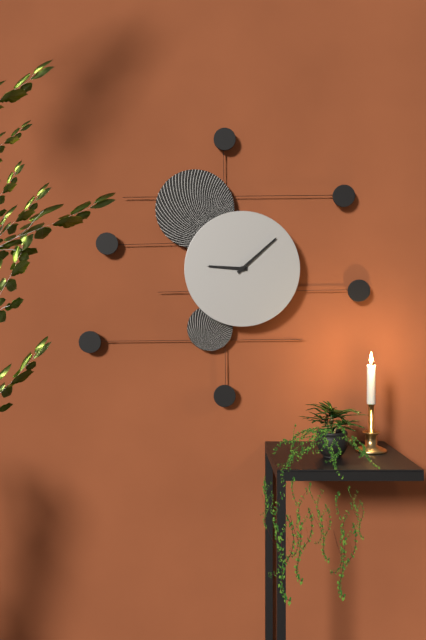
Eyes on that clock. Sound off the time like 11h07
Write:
9h08
